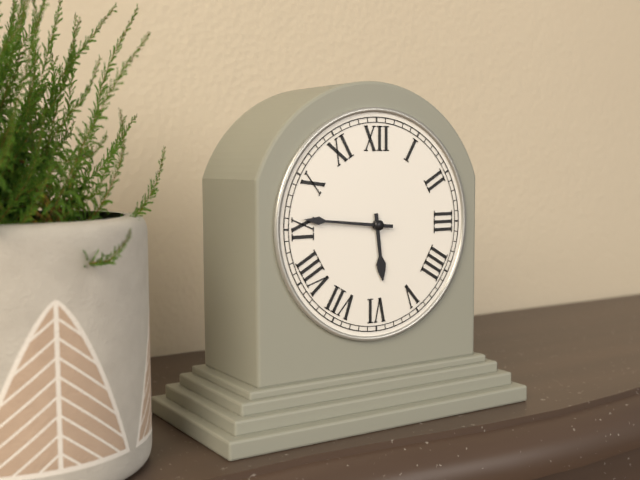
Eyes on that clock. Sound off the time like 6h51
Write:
5h46
